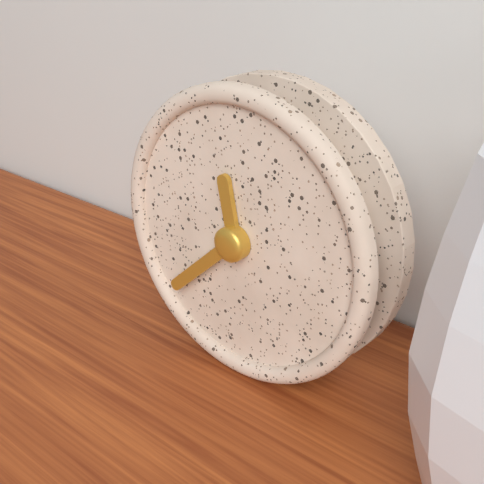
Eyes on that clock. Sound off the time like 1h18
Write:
11h38
